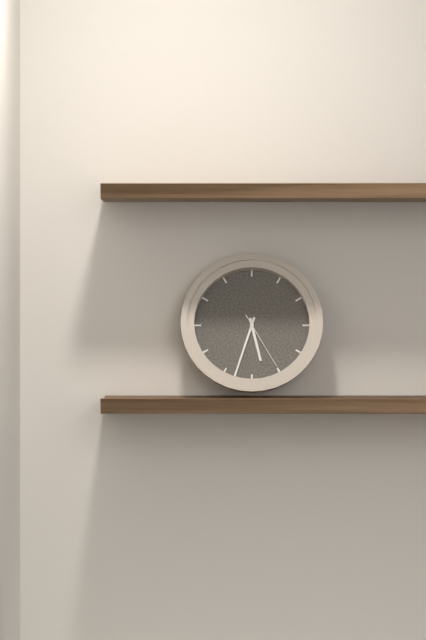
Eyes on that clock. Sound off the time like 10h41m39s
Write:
5h33m25s
